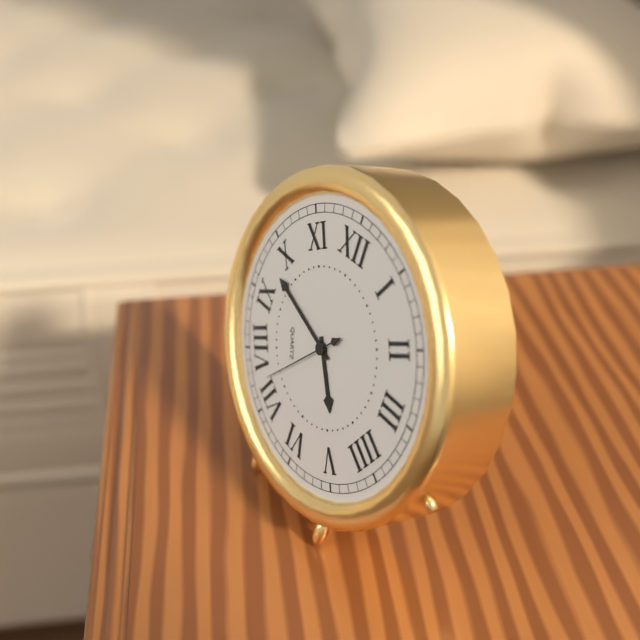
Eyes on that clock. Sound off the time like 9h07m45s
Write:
4h48m37s
